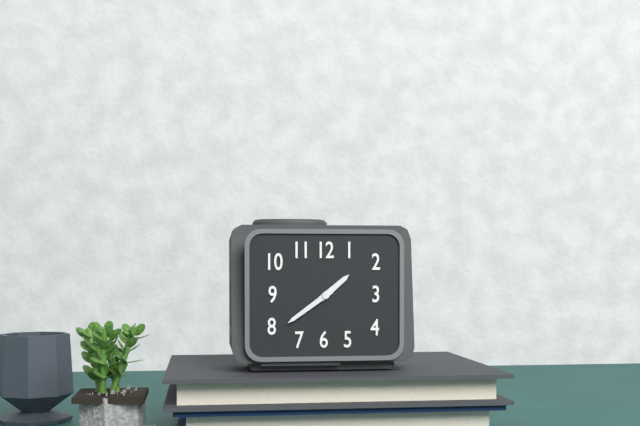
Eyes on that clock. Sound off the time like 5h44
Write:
1h39
